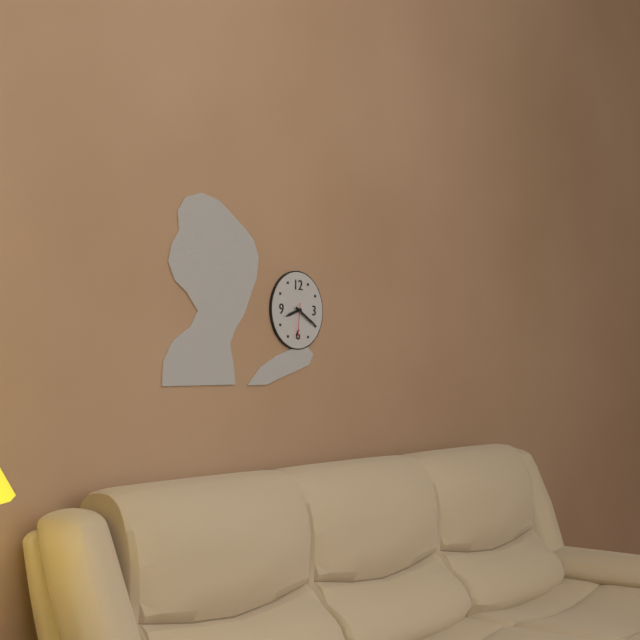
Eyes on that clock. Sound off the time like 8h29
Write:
8h20
